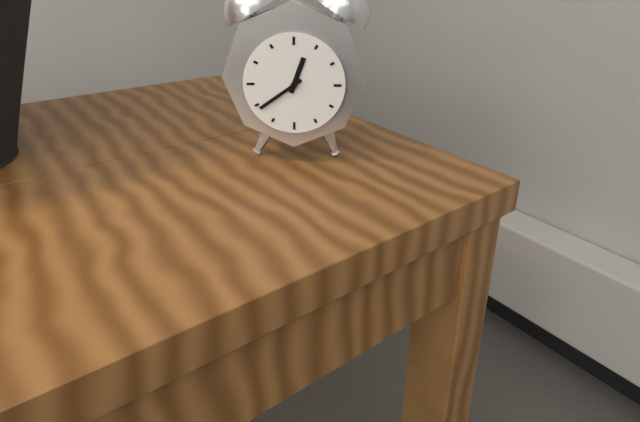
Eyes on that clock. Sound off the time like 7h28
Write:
12h39
